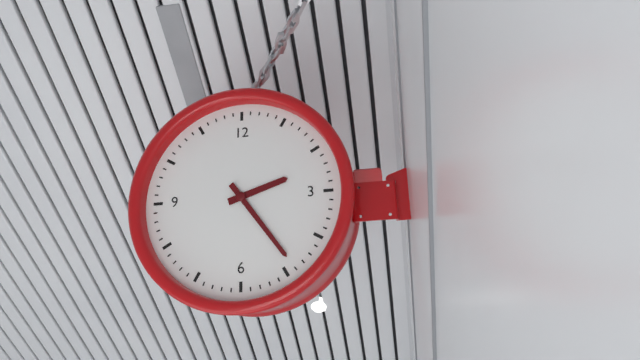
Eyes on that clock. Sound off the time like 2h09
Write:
2h24
